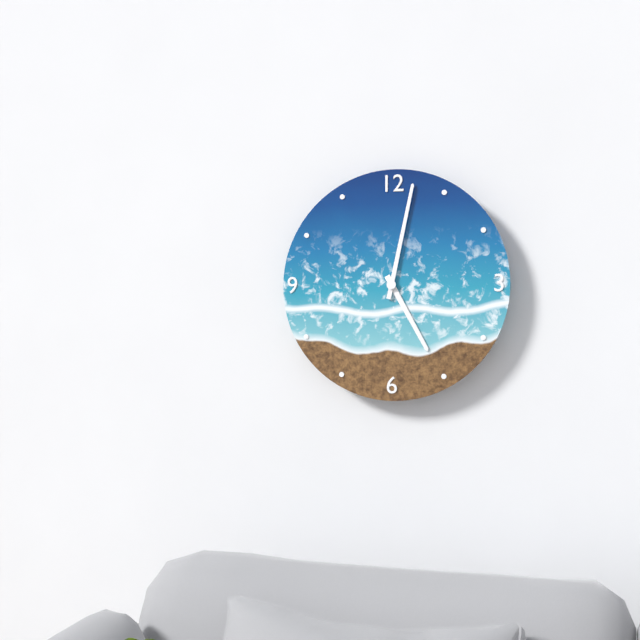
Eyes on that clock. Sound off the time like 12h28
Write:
5h02
